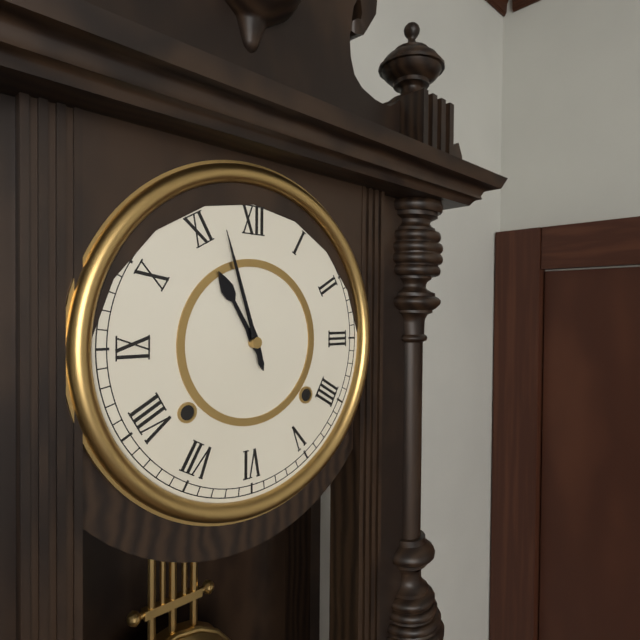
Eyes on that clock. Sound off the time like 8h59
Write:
10h57
